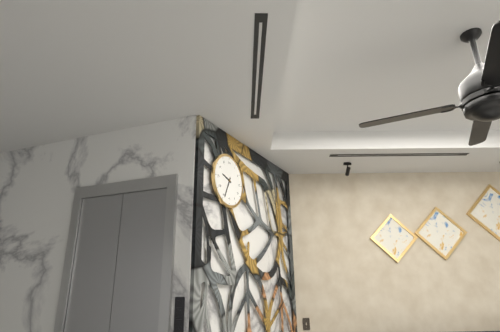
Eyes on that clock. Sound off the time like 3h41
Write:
9h34
